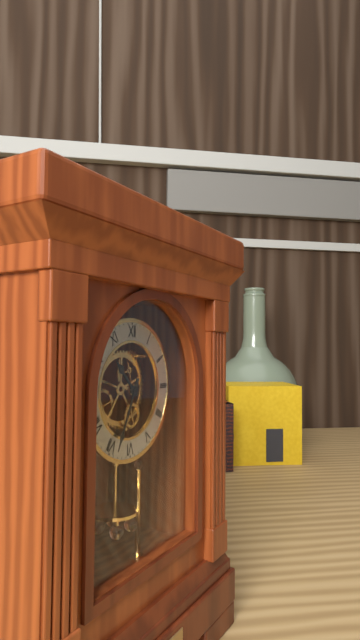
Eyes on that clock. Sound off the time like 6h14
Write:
10h34
